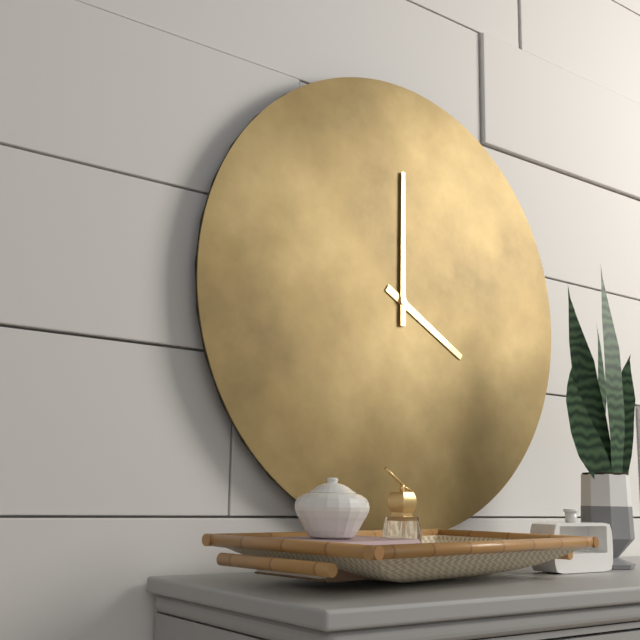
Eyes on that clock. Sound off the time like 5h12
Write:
4h00
